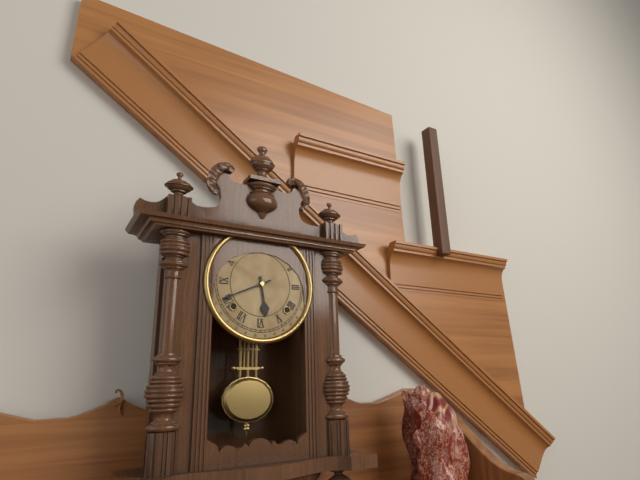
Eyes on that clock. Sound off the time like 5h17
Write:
5h41
